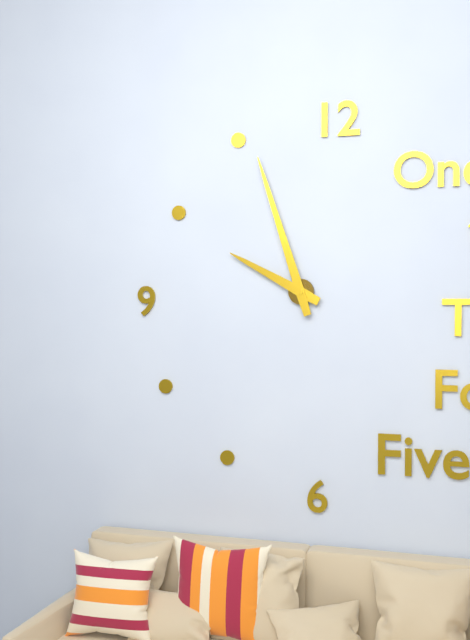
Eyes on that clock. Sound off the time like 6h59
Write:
9h57
